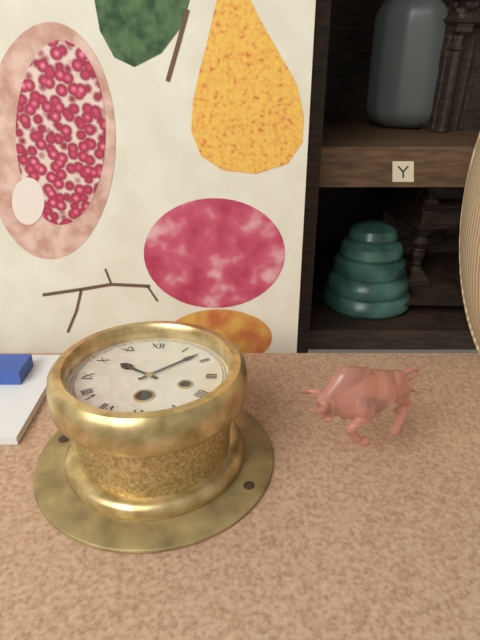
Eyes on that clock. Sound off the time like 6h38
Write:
10h08
